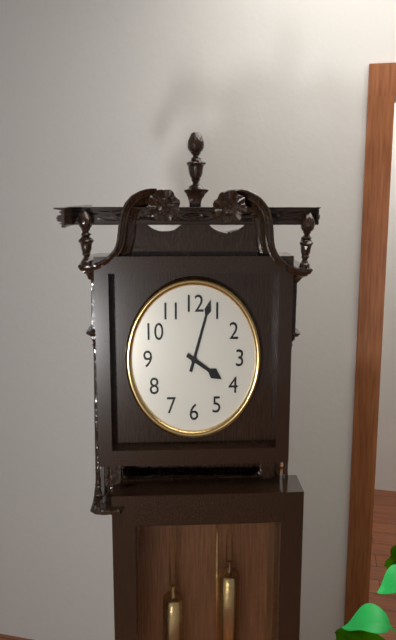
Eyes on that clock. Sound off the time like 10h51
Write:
4h03
